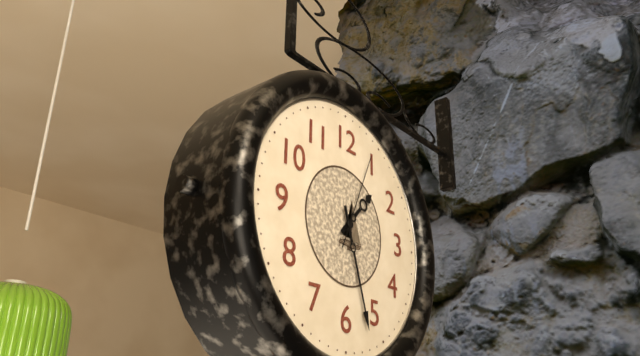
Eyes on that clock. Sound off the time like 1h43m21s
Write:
1h27m04s
